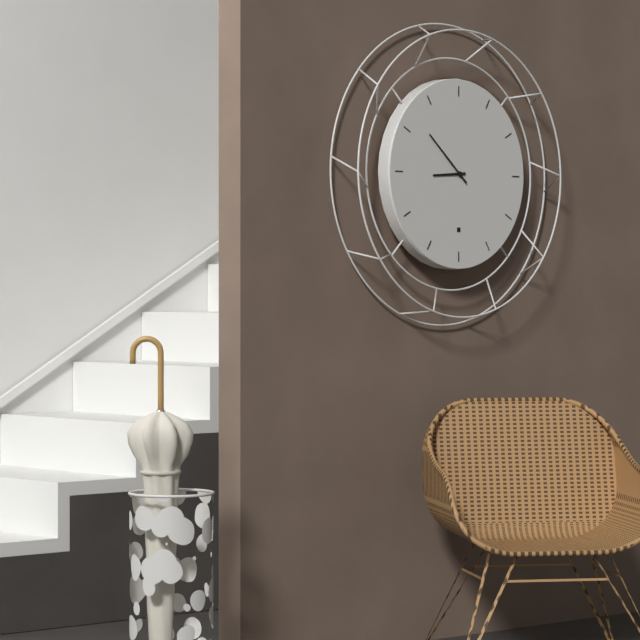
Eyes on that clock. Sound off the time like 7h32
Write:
8h52
